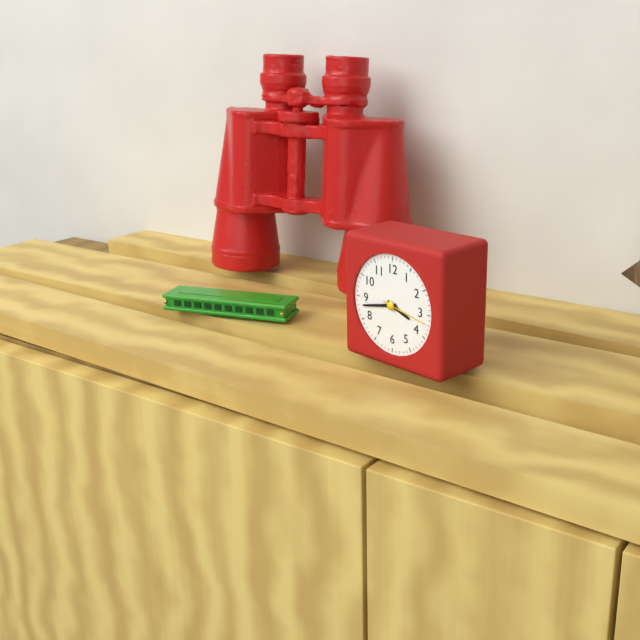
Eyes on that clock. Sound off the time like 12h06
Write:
3h43
